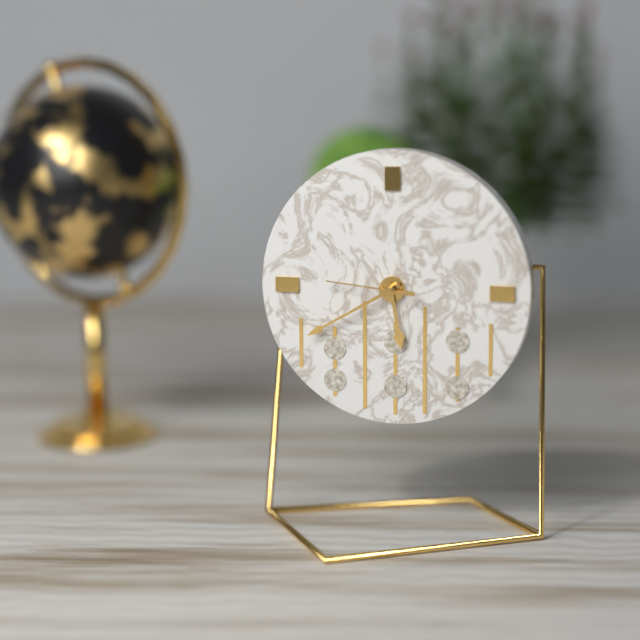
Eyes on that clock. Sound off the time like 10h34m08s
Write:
5h40m46s
